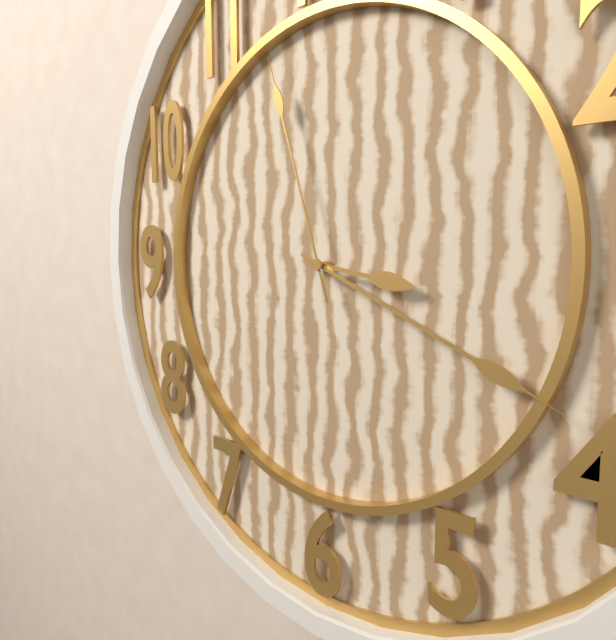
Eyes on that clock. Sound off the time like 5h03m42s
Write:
3h19m57s
